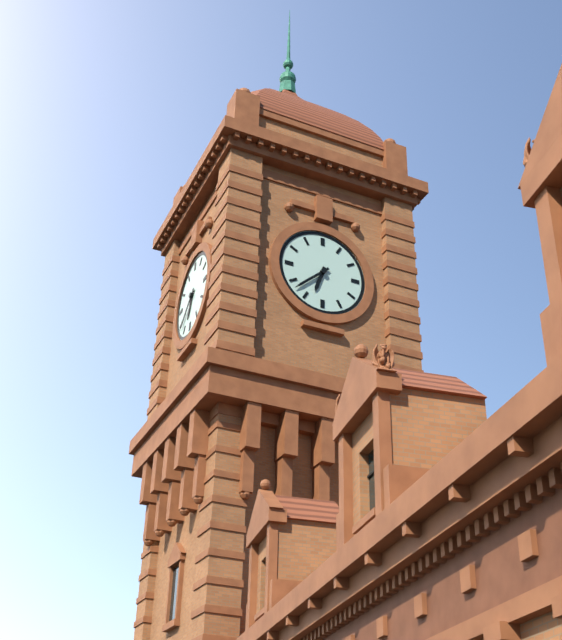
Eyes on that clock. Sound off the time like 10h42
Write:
6h38
